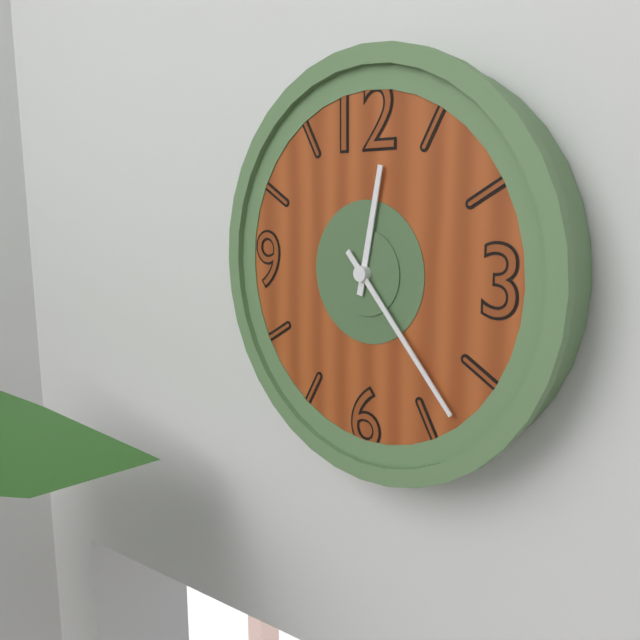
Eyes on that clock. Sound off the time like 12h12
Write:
12h23
